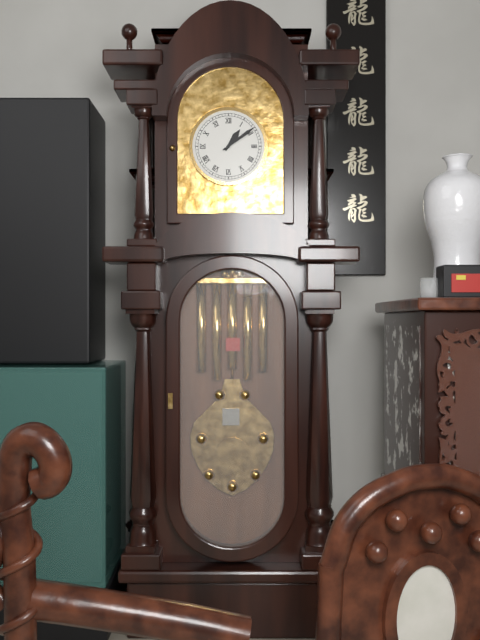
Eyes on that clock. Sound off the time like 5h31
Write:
1h09
